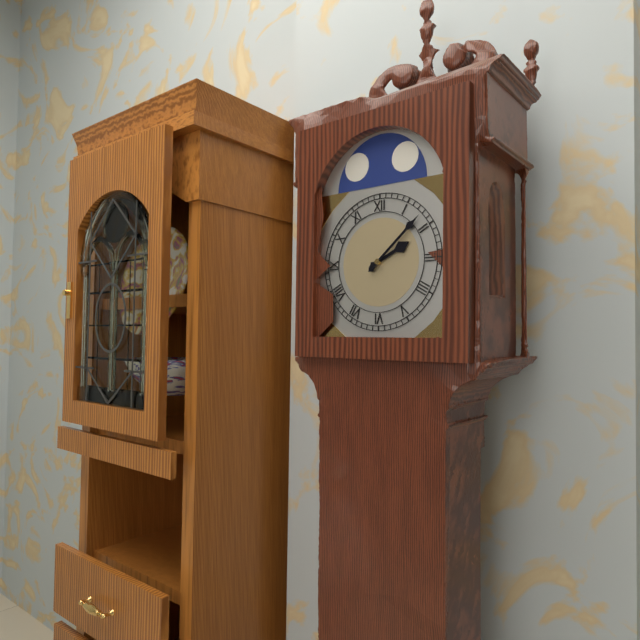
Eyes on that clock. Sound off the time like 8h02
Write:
2h08
